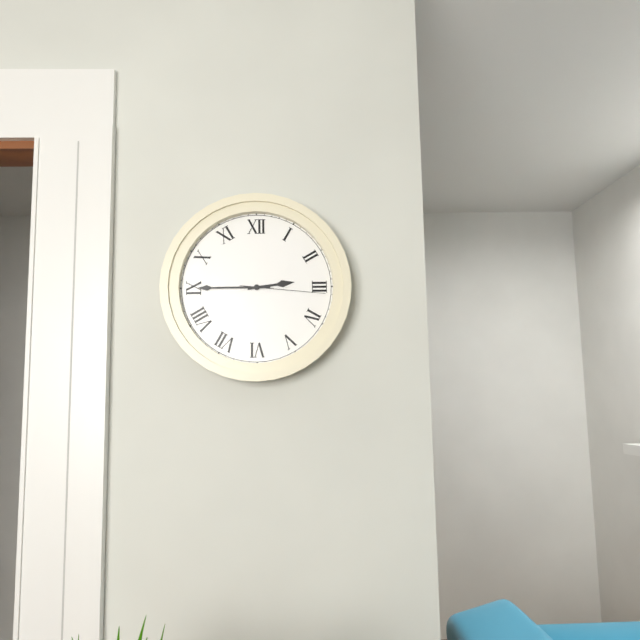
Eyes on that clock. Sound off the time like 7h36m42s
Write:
2h45m16s
